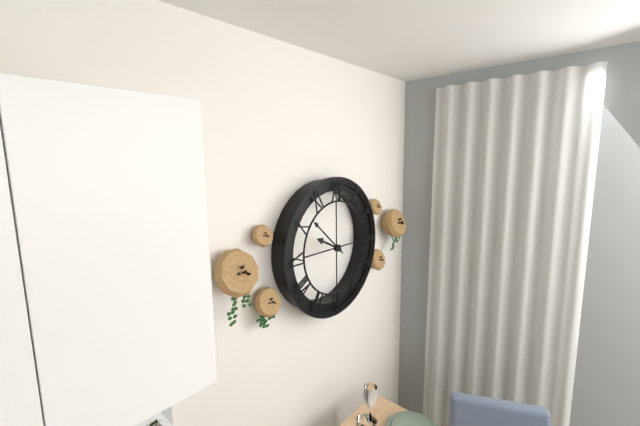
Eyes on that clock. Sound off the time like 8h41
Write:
9h52
